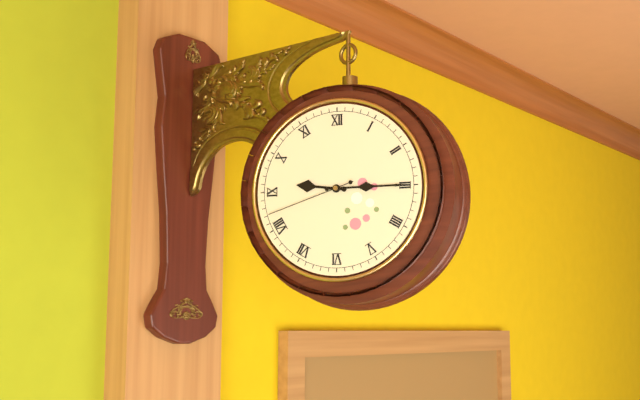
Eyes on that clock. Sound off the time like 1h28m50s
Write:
9h15m42s
